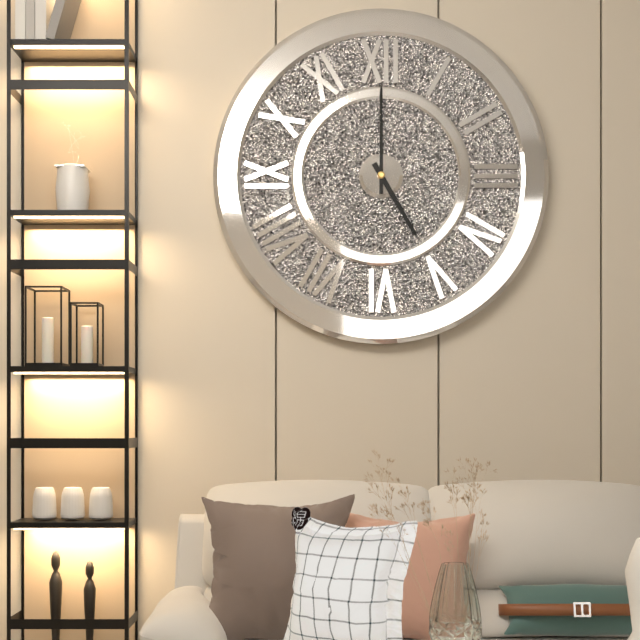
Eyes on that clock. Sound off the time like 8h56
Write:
5h00
